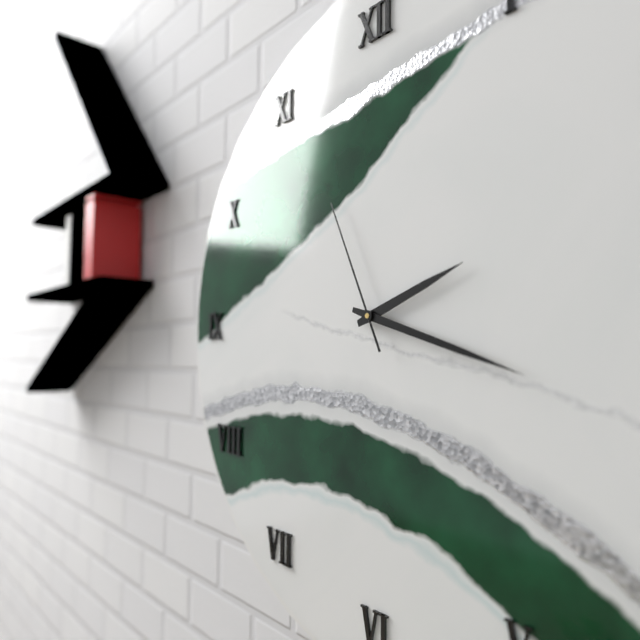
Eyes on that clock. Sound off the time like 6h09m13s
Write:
2h18m56s
